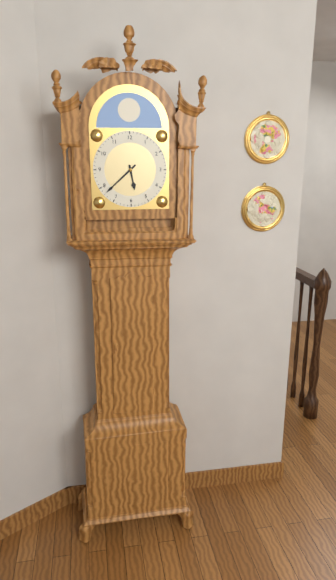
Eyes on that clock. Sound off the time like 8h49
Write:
5h38
